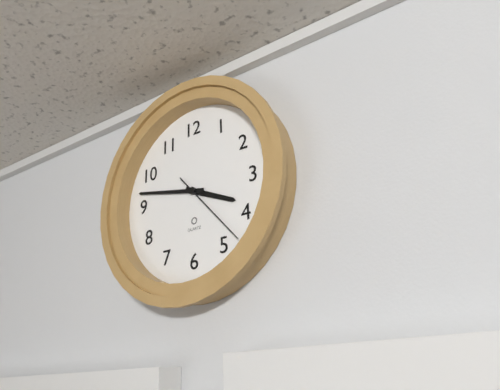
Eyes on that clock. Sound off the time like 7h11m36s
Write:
3h47m23s
